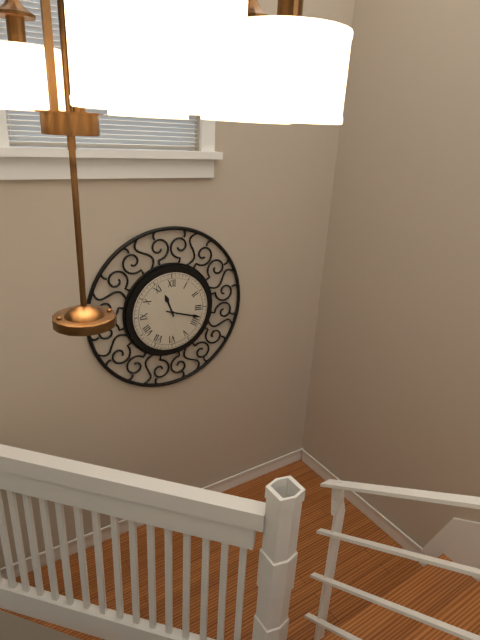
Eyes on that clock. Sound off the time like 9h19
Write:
11h18
